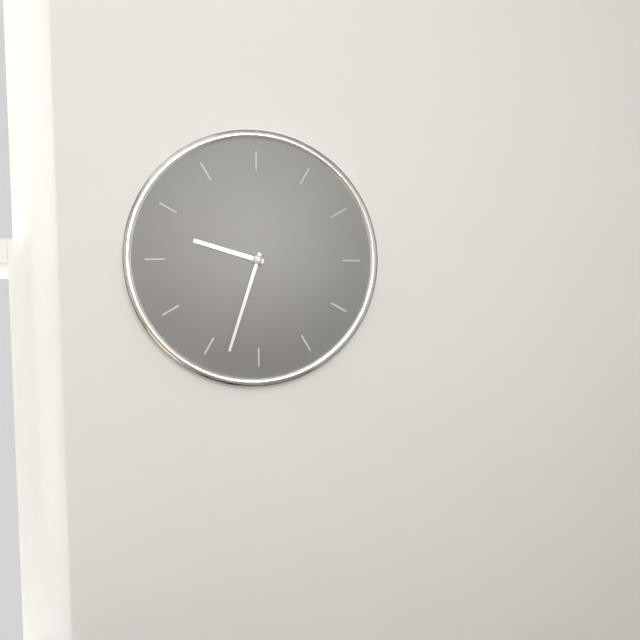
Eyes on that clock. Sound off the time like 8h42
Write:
9h33
